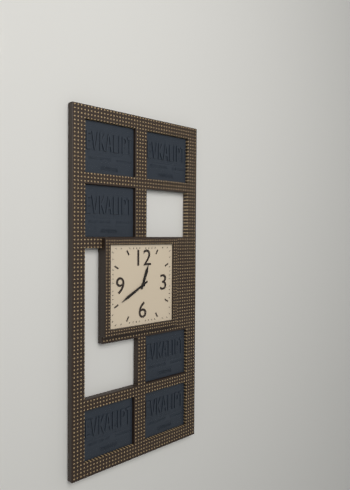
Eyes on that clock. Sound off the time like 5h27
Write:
12h40
